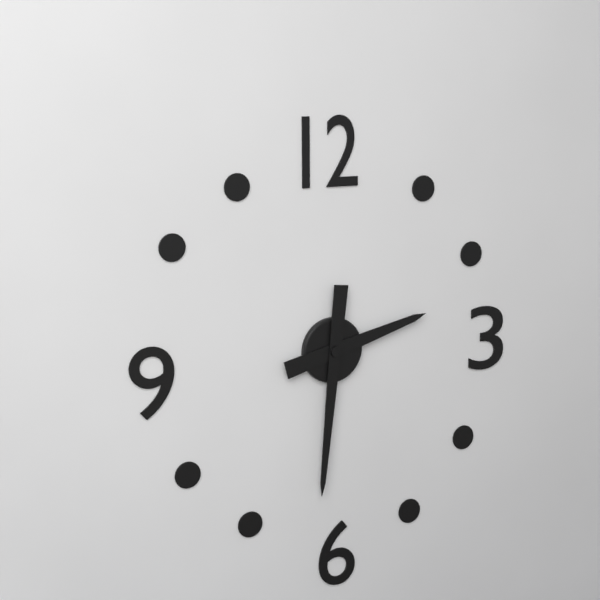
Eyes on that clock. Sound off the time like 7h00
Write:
2h31
